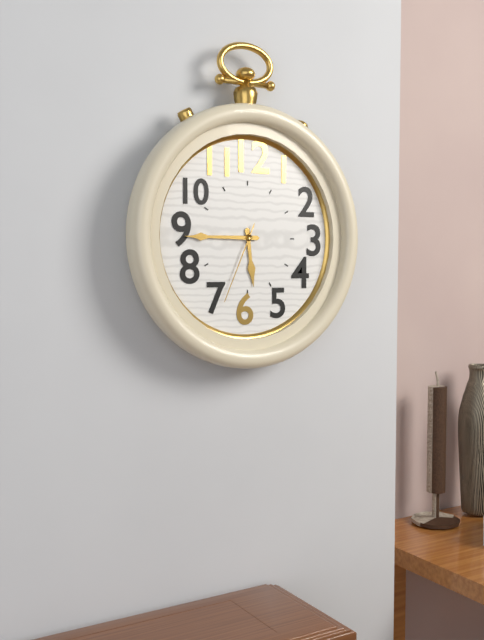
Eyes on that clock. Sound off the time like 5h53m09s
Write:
5h45m34s
